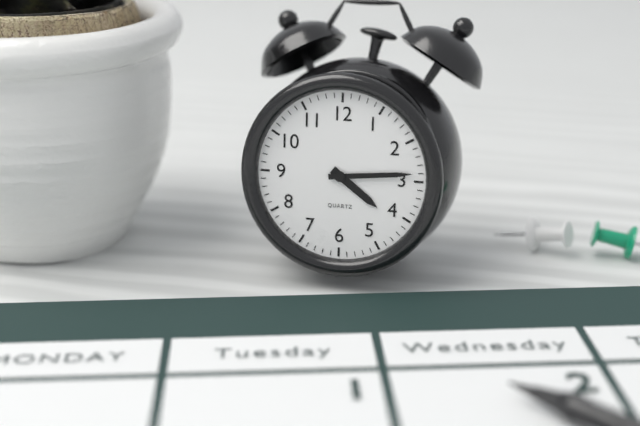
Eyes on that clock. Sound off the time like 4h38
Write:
4h14
